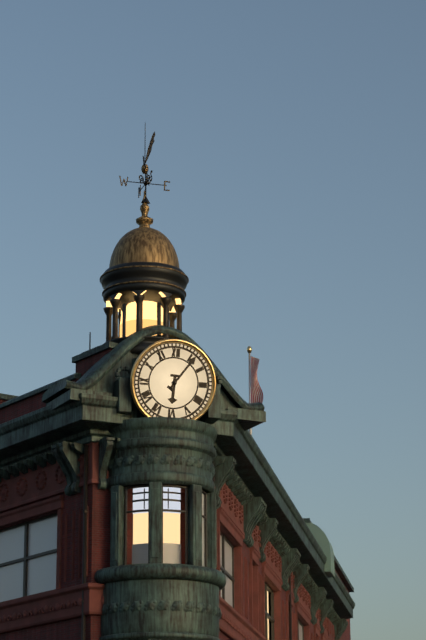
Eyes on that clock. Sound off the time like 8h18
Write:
6h06
